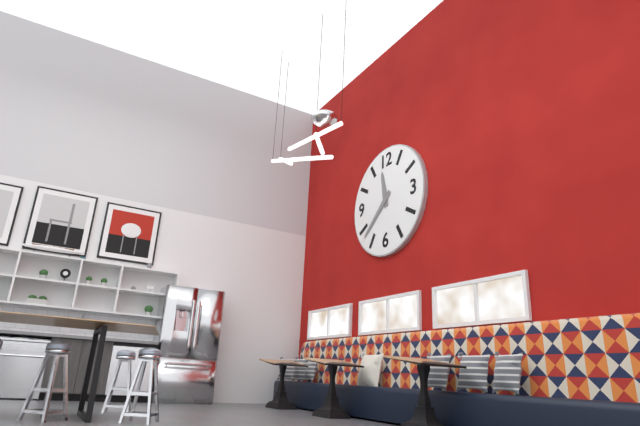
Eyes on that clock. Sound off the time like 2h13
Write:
11h38
